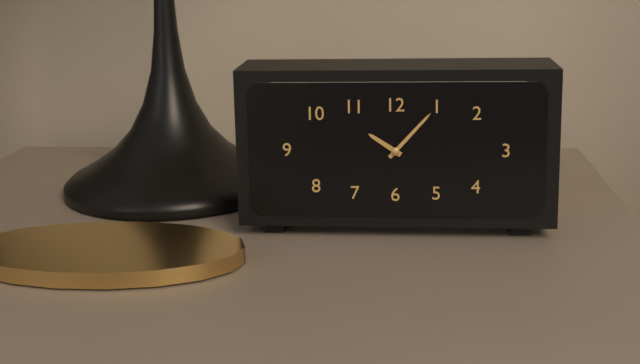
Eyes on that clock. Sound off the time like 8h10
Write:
10h07
